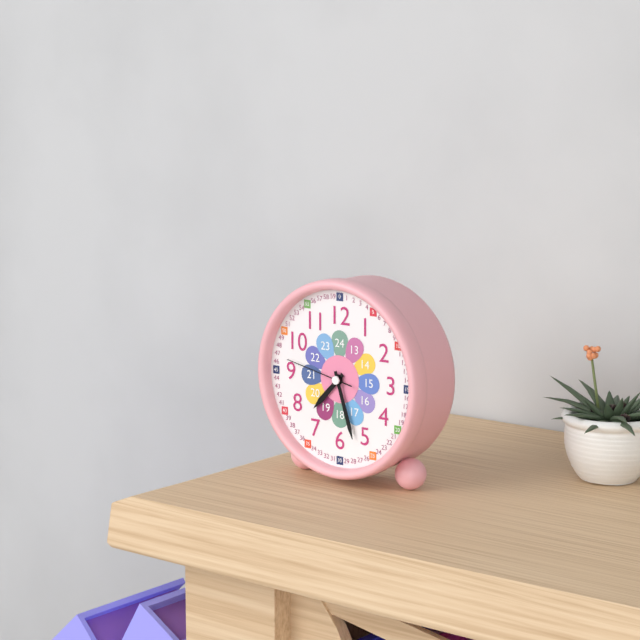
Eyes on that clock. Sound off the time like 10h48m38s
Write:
7h27m47s
